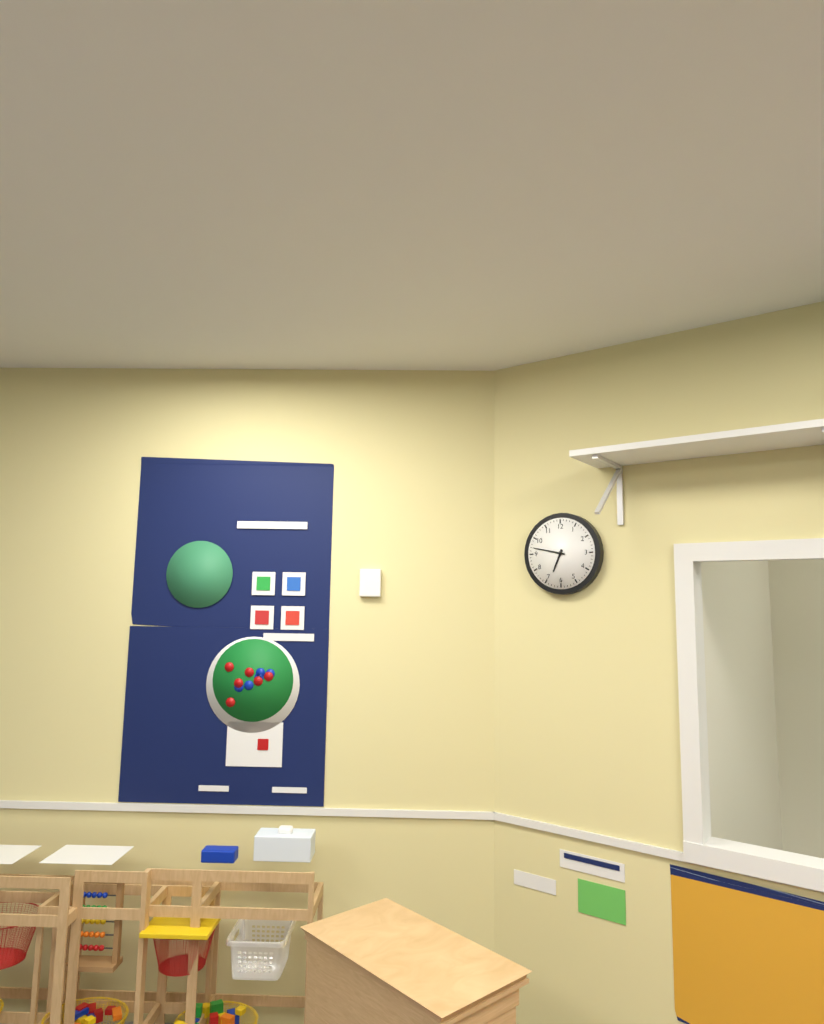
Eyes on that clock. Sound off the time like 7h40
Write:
6h47
